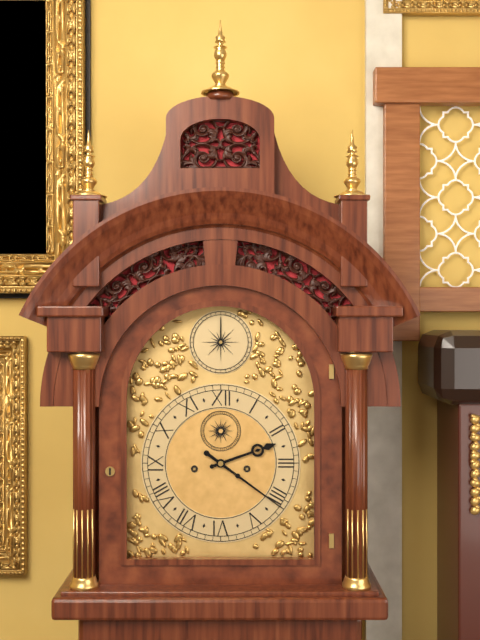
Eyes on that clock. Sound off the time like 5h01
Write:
2h21
